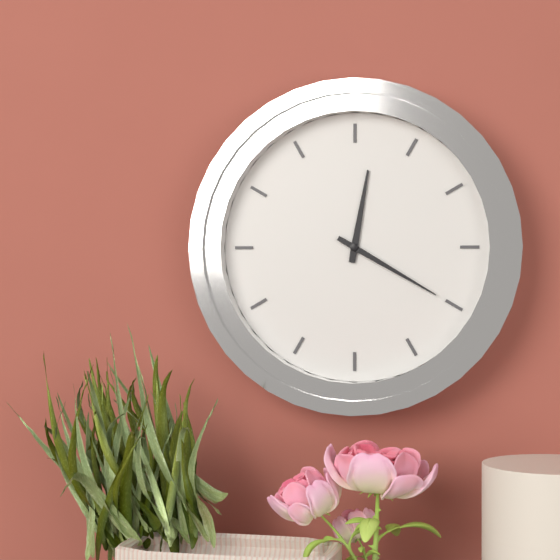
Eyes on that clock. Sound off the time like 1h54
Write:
12h20
